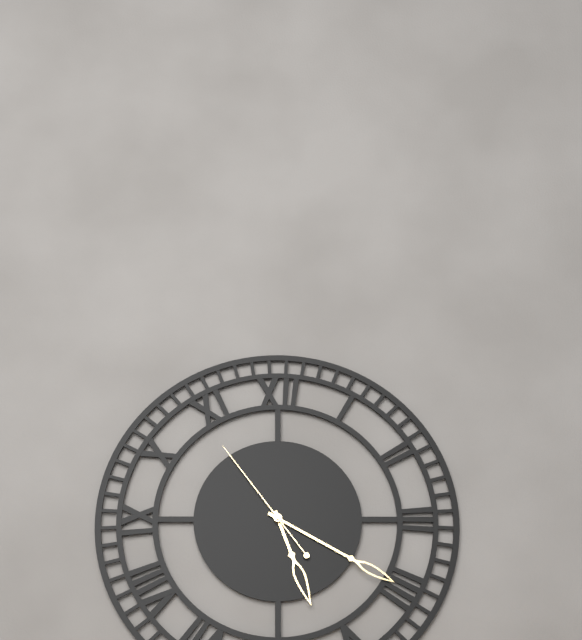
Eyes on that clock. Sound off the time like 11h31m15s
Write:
5h20m54s
